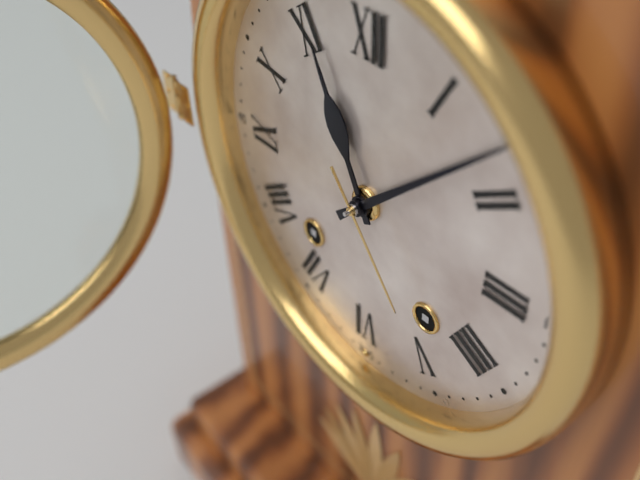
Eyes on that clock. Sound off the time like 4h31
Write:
11h08
